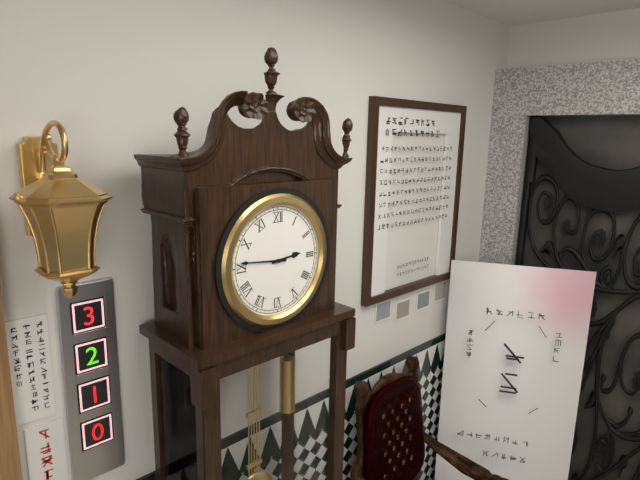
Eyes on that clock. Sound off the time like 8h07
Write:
2h46
